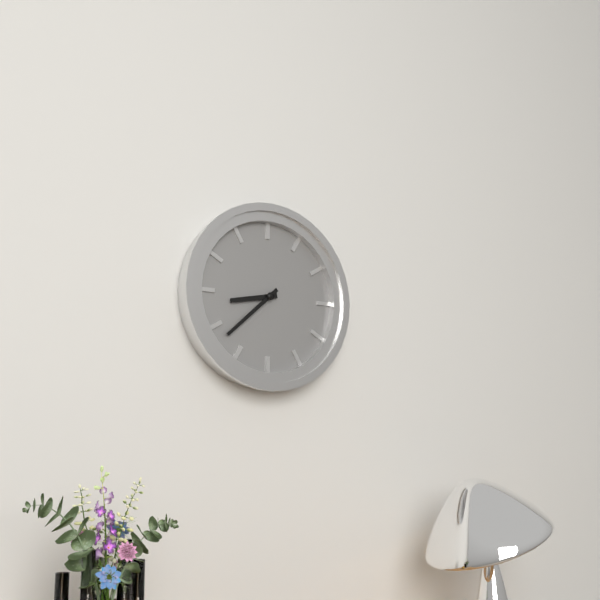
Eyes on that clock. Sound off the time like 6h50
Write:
8h38
